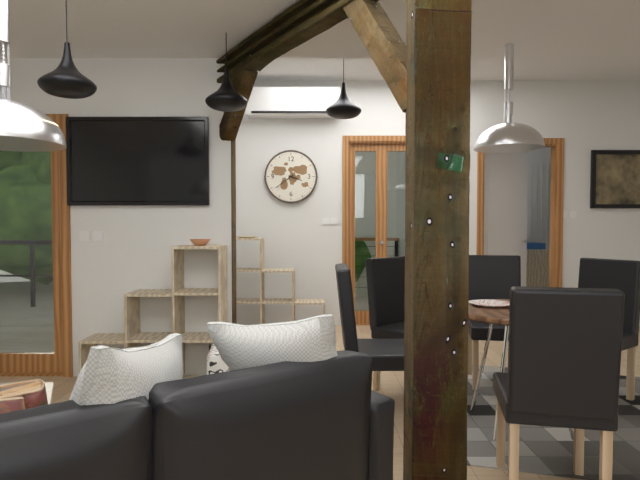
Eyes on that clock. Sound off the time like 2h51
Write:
3h39
